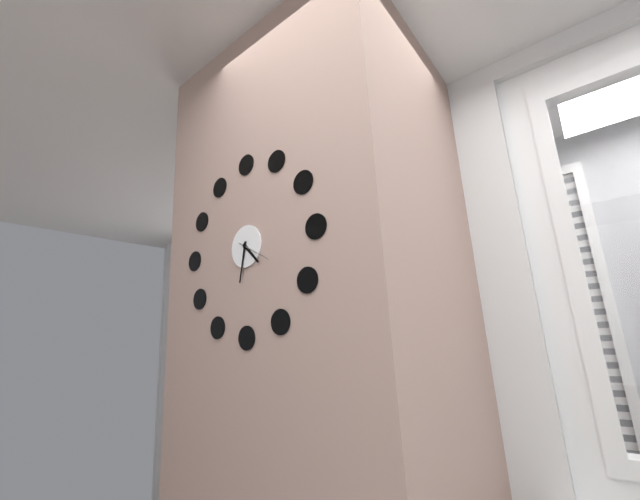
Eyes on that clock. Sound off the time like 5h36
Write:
4h32
